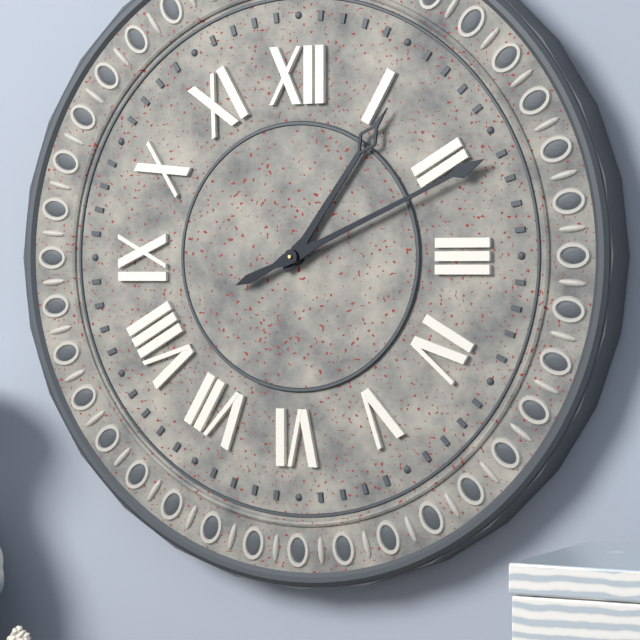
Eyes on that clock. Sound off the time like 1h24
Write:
1h11
